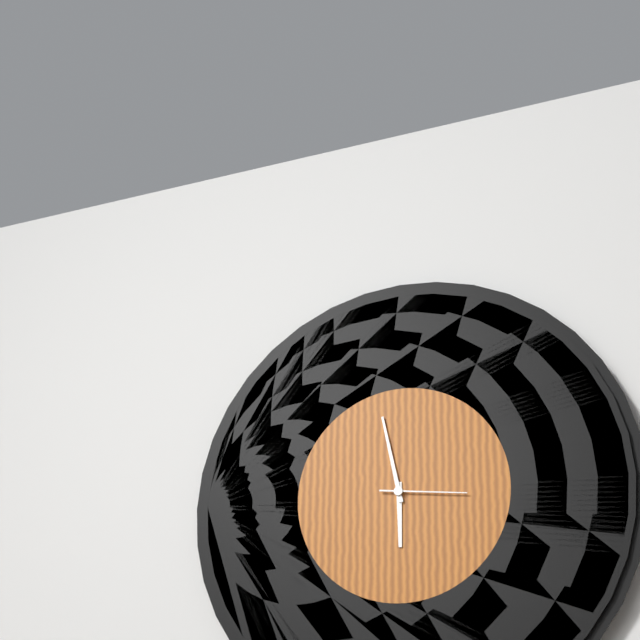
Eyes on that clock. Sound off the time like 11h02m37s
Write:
5h58m16s
